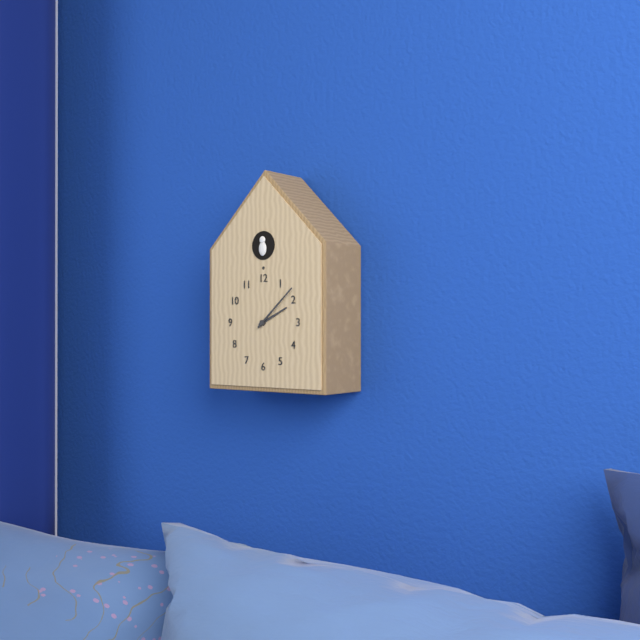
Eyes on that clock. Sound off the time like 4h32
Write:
2h08
